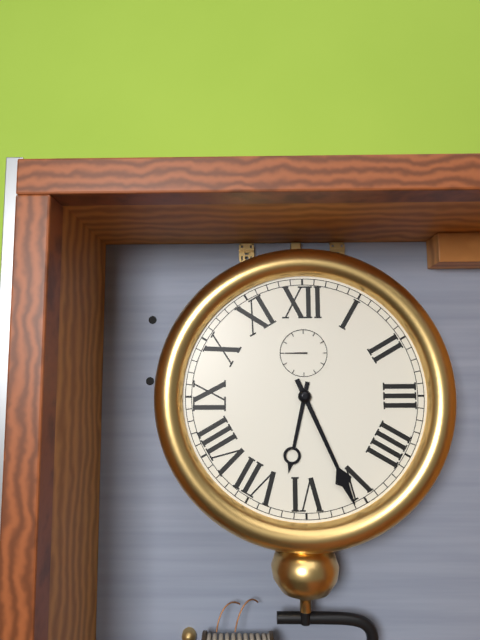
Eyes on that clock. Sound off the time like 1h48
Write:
6h26
